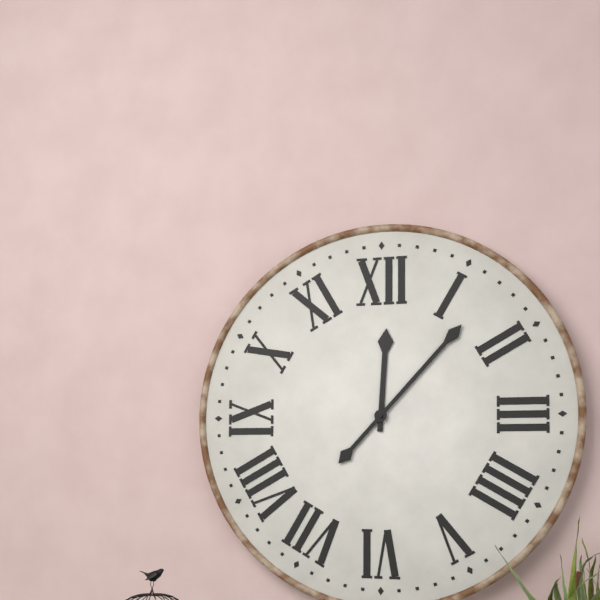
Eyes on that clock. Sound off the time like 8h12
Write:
12h07
